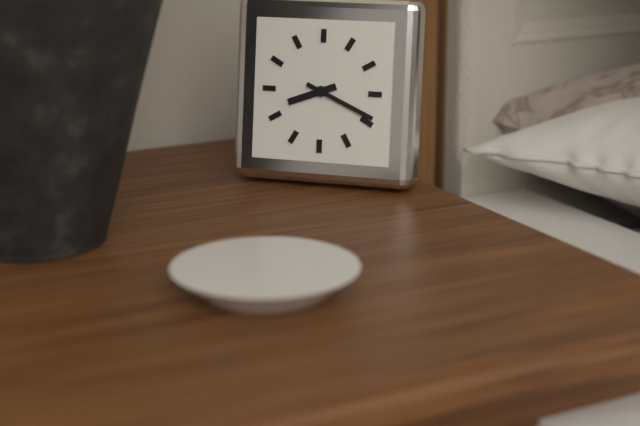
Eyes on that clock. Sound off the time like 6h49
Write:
8h19
